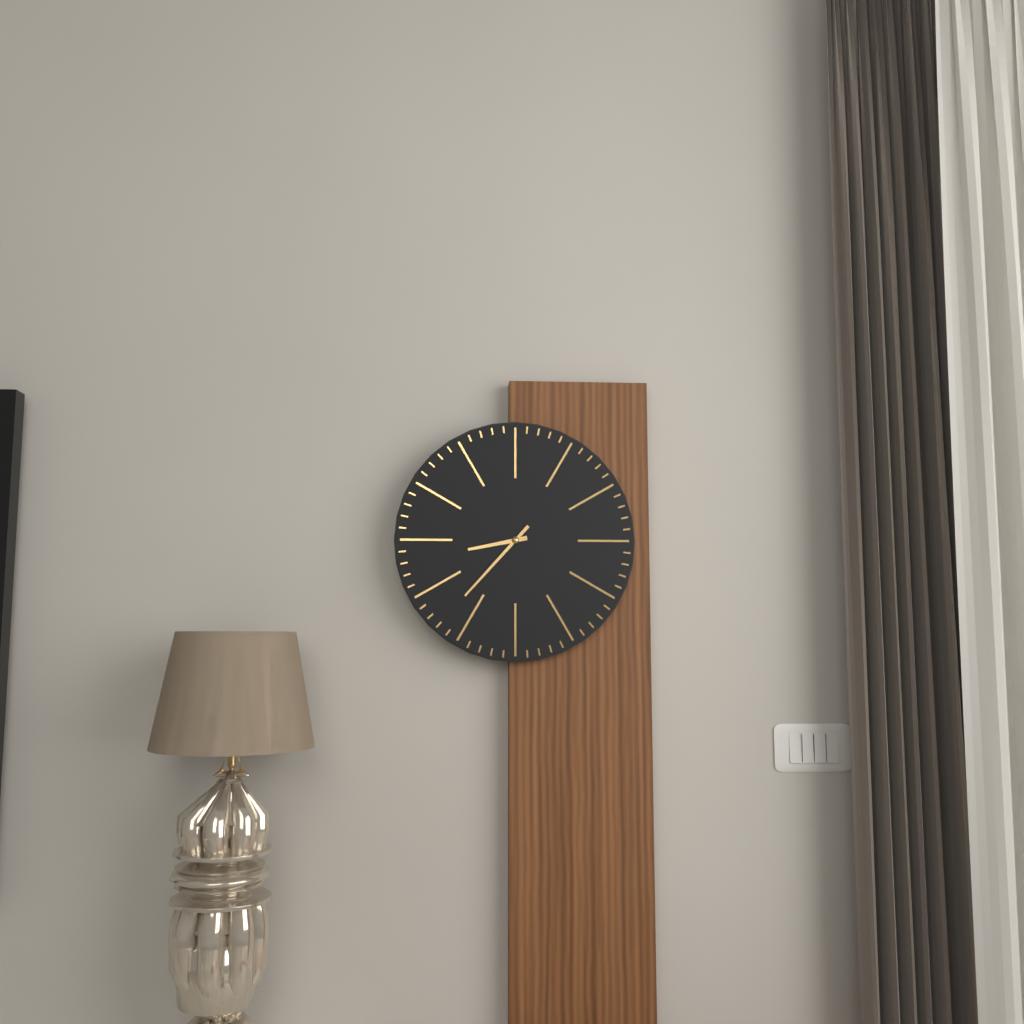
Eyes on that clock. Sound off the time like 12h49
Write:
8h37
